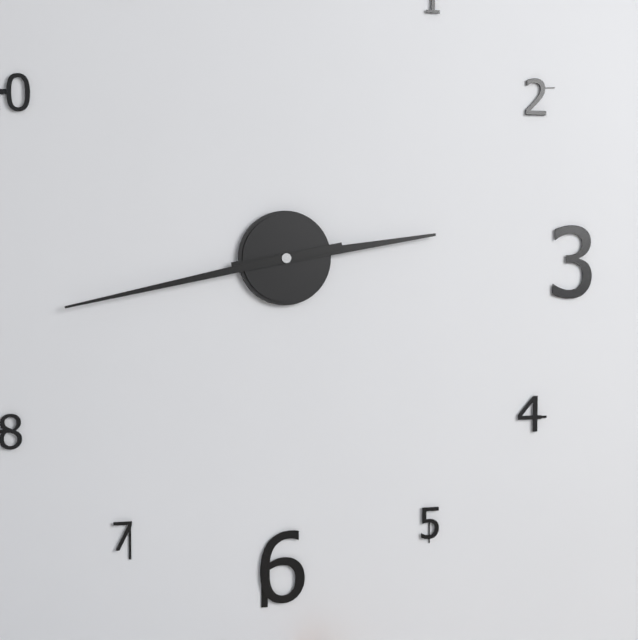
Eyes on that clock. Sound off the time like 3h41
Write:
2h43
